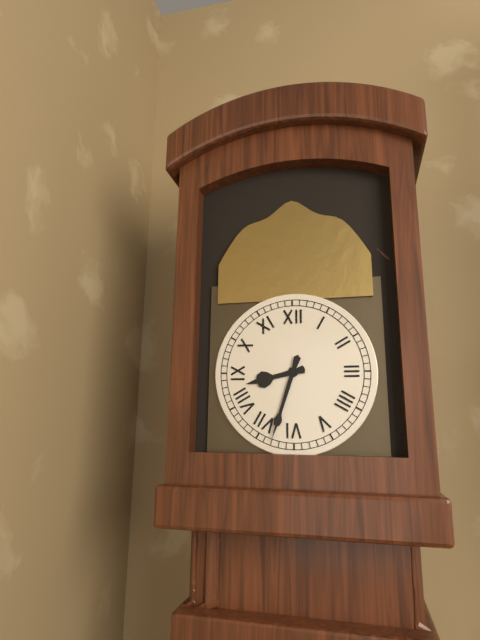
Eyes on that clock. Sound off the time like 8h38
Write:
8h33
